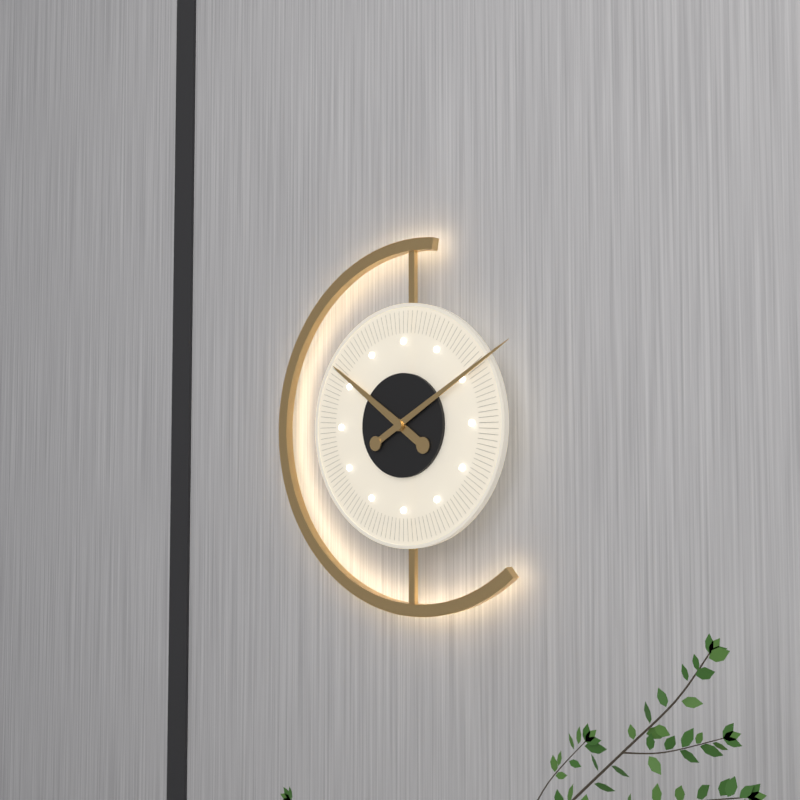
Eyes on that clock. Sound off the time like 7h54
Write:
10h10
